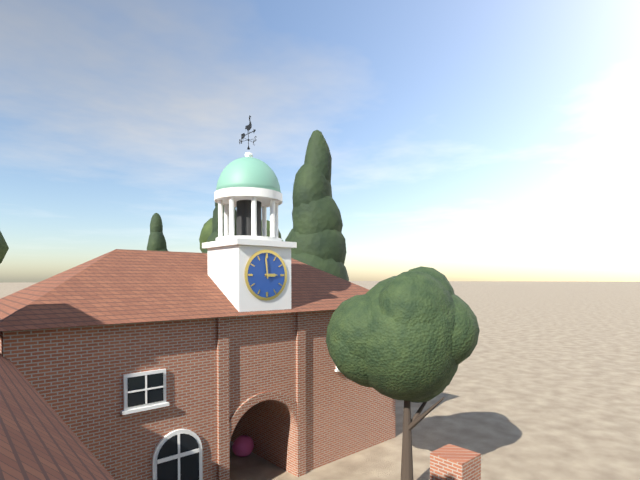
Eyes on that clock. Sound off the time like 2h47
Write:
2h59
